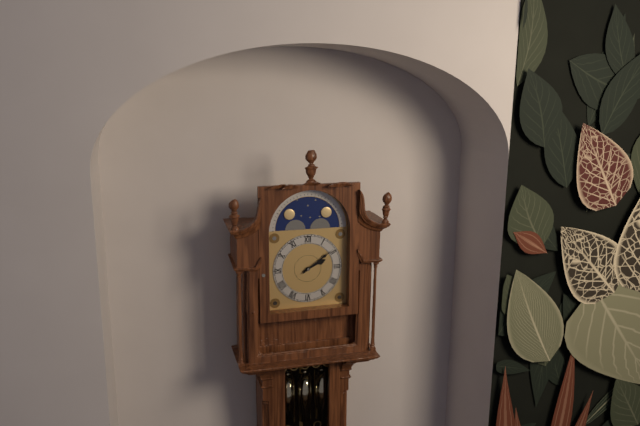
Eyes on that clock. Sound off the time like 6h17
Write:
2h09
